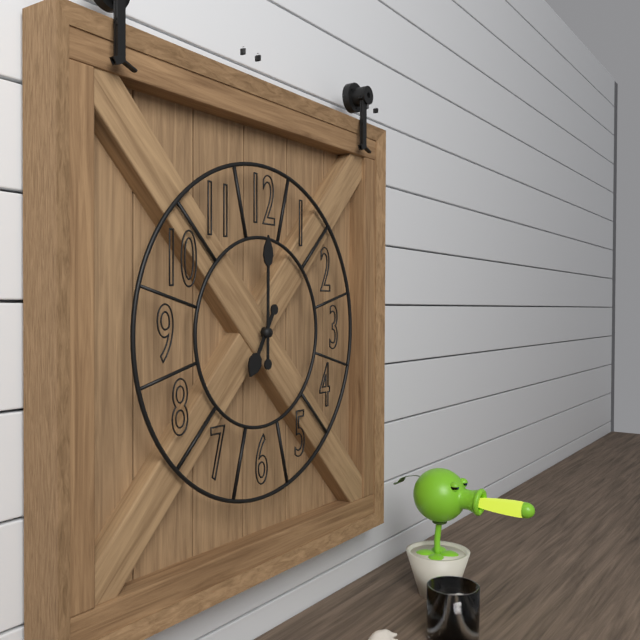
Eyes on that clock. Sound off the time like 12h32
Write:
7h00
